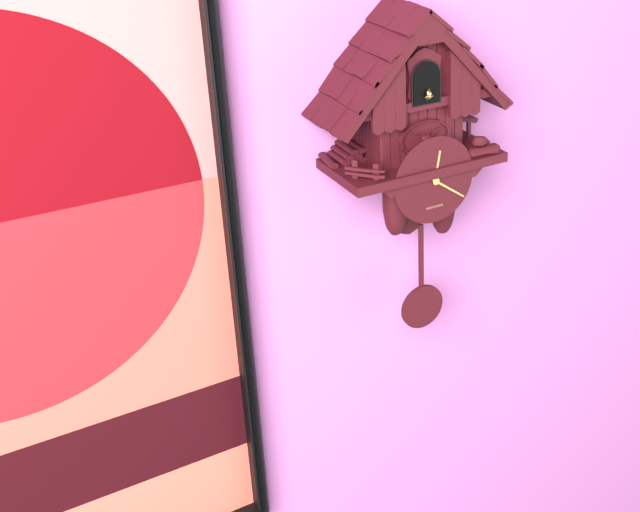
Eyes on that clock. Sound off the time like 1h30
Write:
12h21
